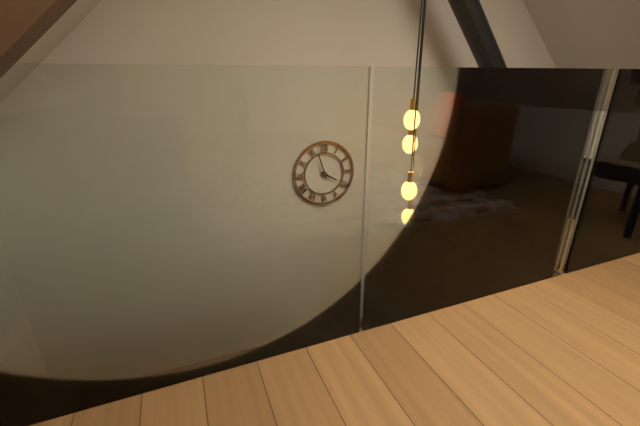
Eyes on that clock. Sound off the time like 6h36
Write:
3h57
